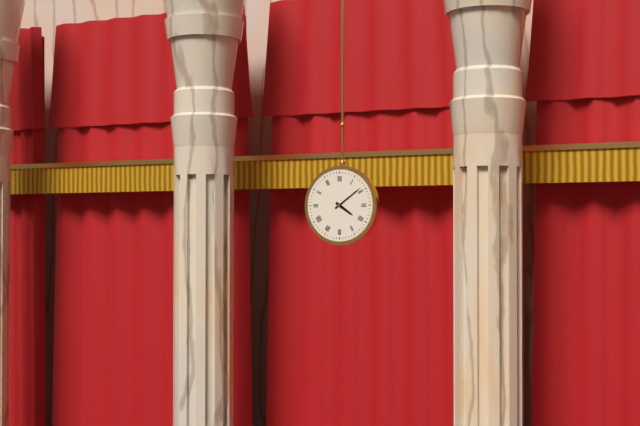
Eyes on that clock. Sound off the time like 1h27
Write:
4h09
